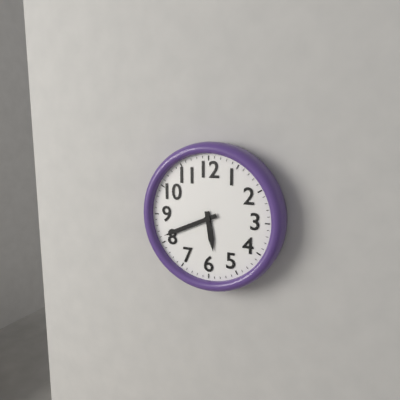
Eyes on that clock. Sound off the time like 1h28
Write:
5h41
